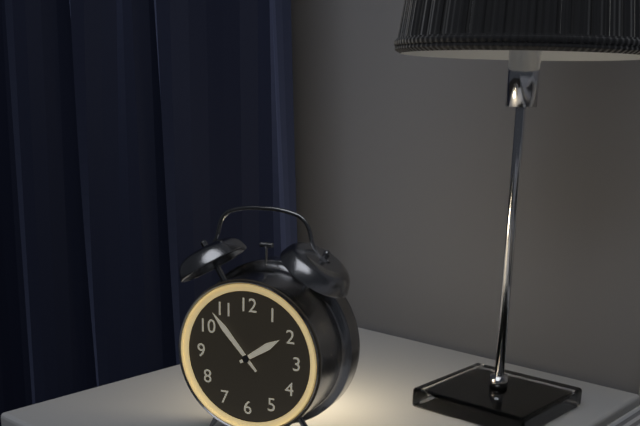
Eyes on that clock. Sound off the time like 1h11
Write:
1h53
